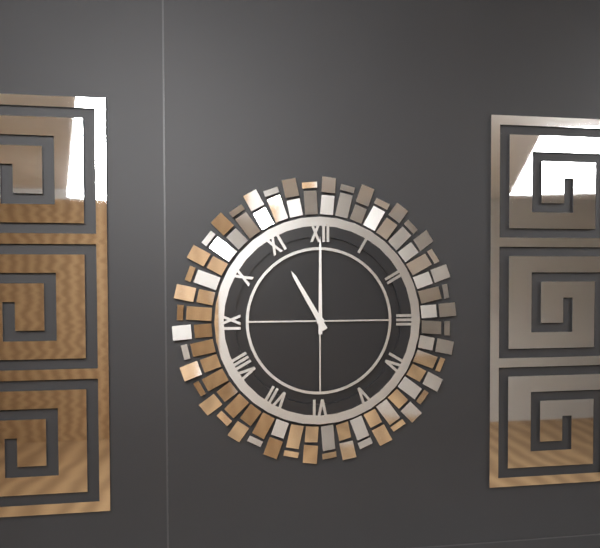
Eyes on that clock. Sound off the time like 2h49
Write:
11h00
